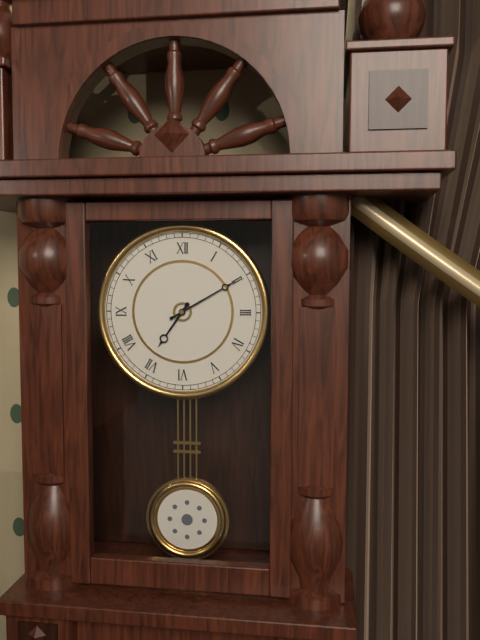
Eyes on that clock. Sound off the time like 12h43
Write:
7h10
